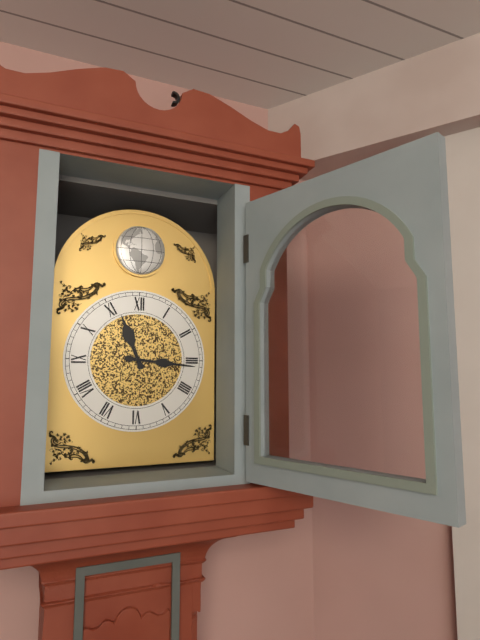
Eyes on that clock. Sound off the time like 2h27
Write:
11h16
